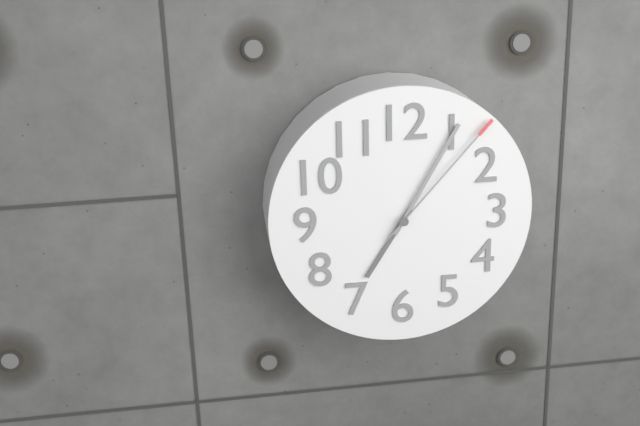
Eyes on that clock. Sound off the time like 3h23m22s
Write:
7h05m07s
